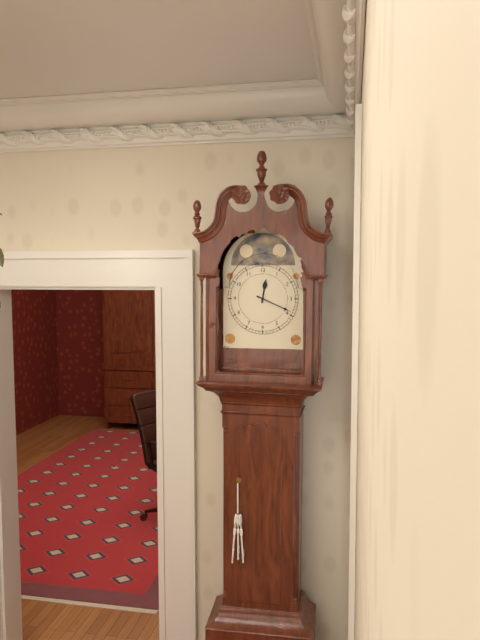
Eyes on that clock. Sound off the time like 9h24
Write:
12h19
